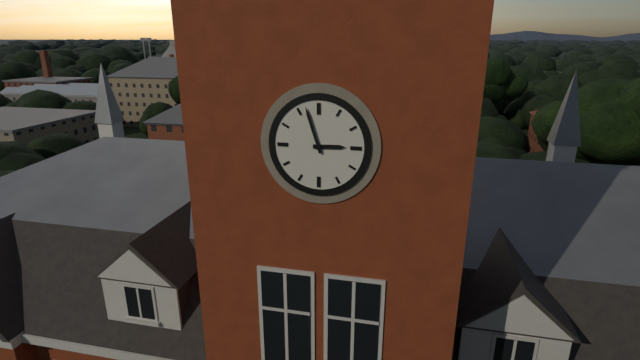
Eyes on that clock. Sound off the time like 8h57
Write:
2h57
